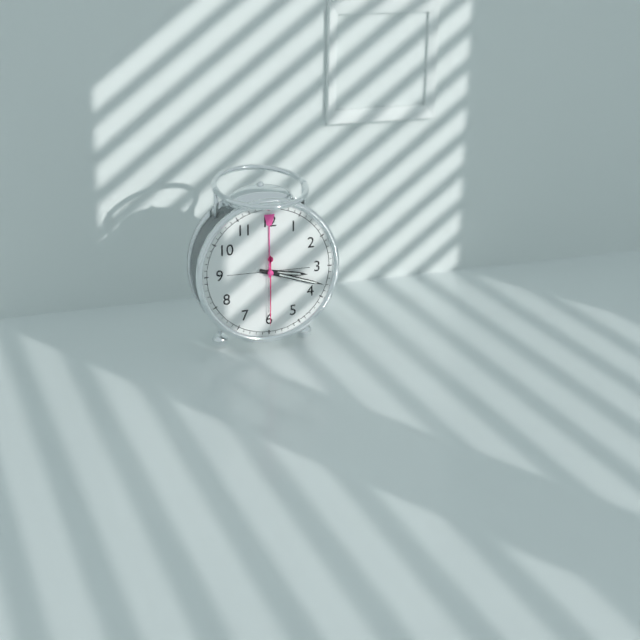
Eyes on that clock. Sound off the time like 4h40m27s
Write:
3h18m30s
